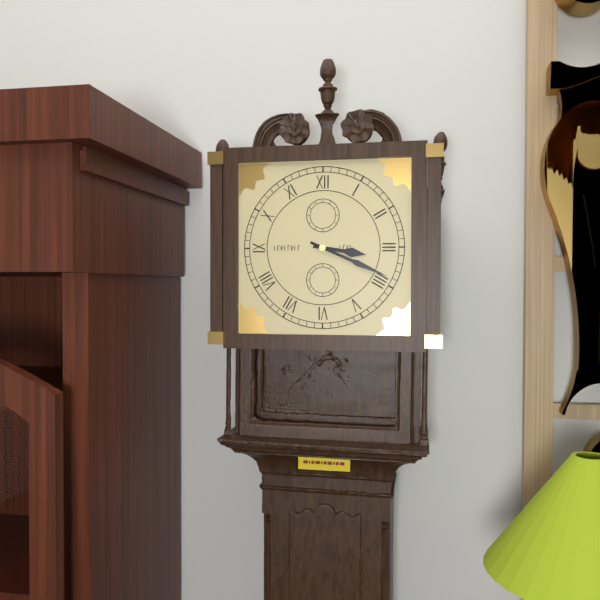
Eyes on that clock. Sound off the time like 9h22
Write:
3h19
